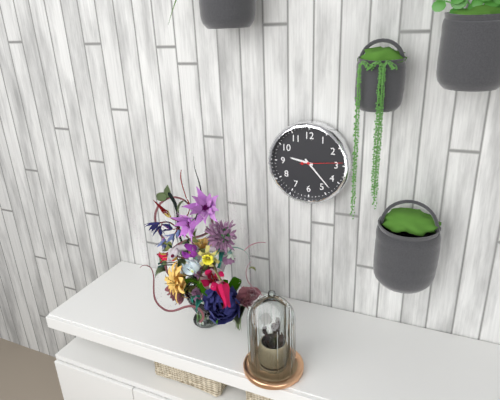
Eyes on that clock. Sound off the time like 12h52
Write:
9h23
